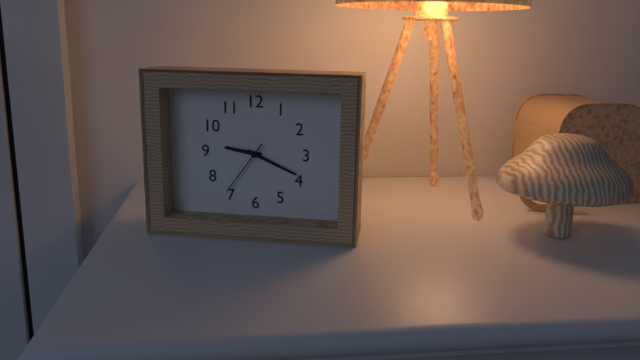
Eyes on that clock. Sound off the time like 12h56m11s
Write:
9h19m36s
